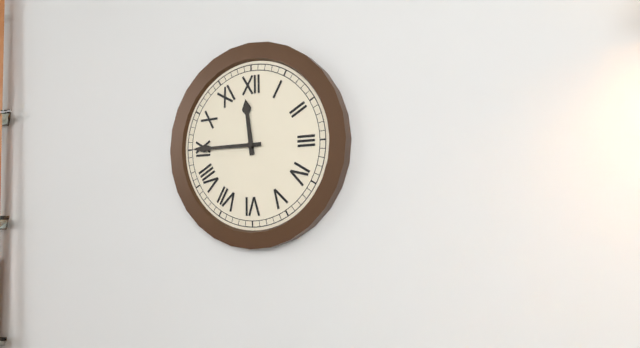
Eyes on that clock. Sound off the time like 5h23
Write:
11h45
